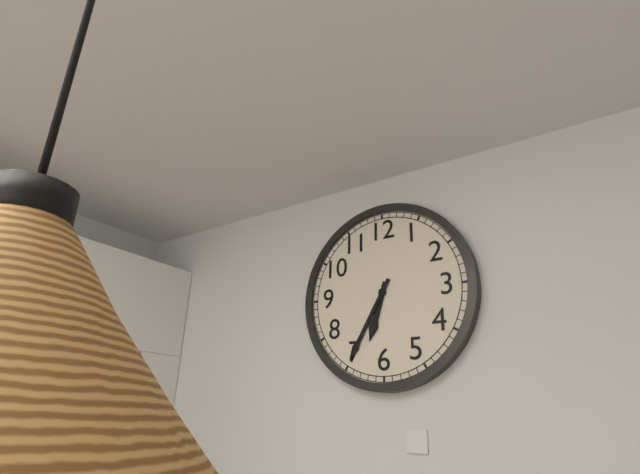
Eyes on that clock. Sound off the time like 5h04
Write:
6h35
